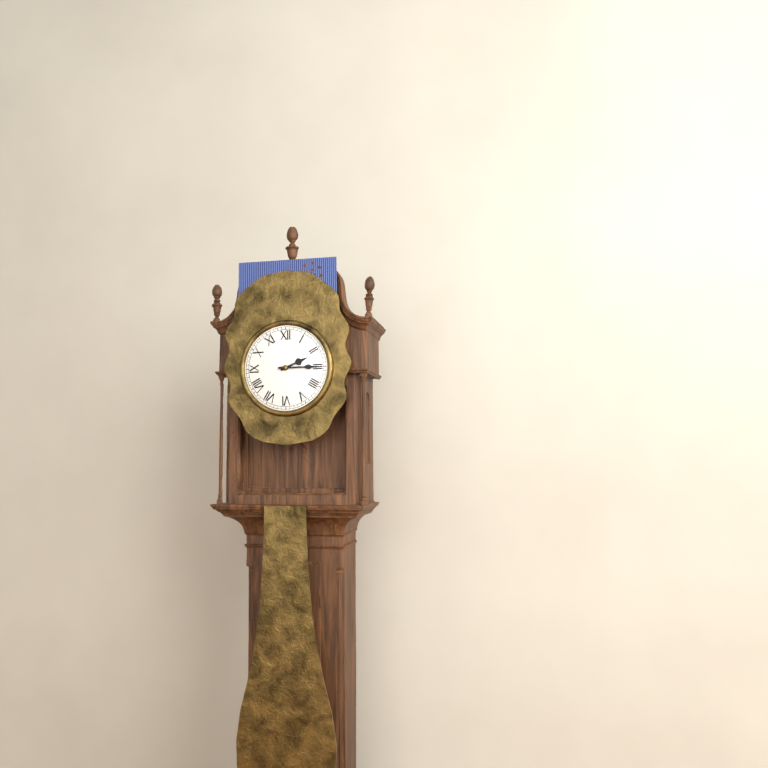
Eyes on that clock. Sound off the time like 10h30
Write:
2h15
